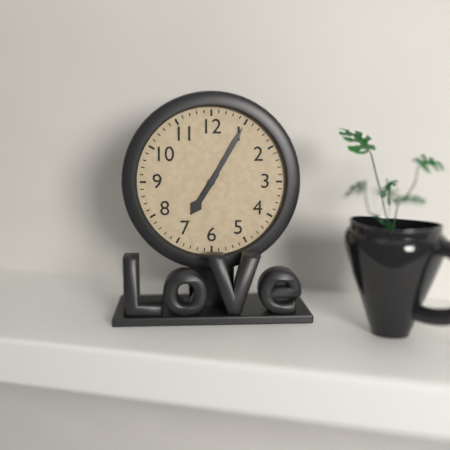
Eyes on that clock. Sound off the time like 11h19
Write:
7h05
